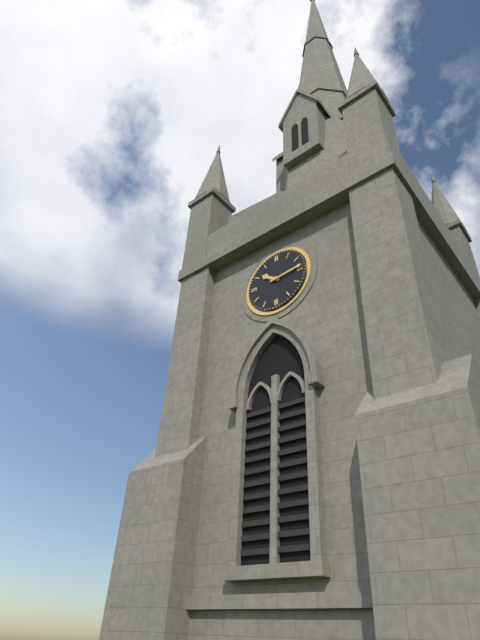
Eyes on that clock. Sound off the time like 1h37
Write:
10h14
